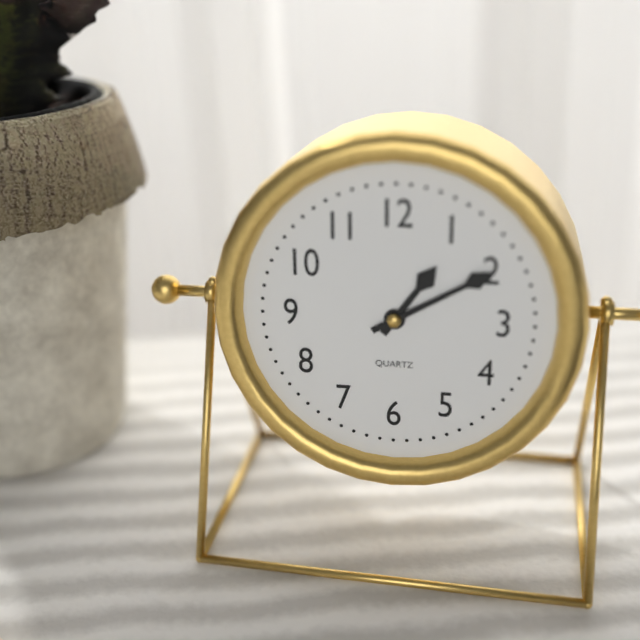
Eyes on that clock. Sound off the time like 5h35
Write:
1h10
